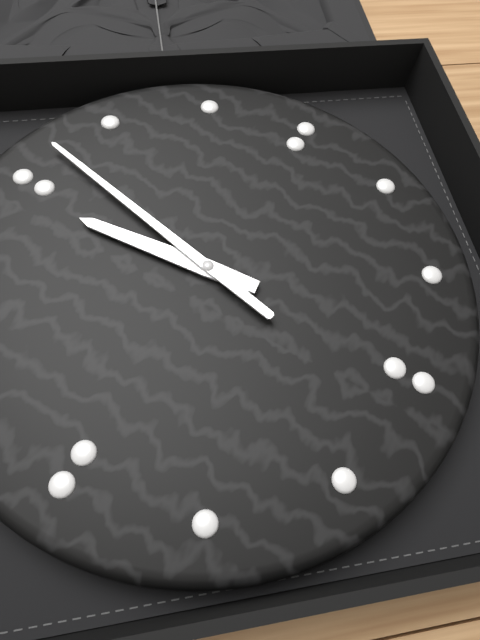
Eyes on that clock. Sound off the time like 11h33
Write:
8h47
